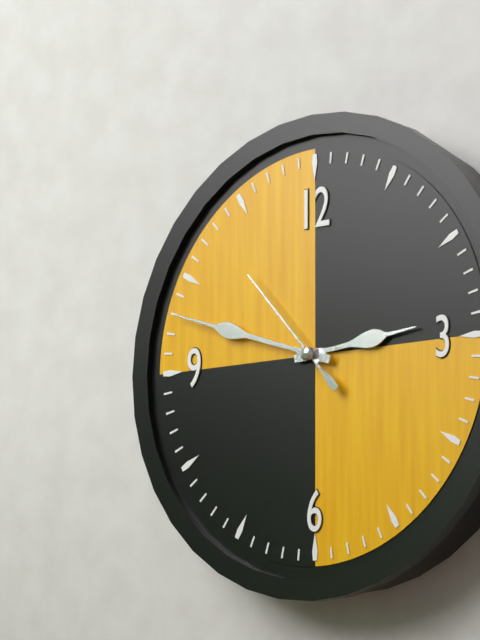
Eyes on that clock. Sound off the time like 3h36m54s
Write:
2h48m53s
